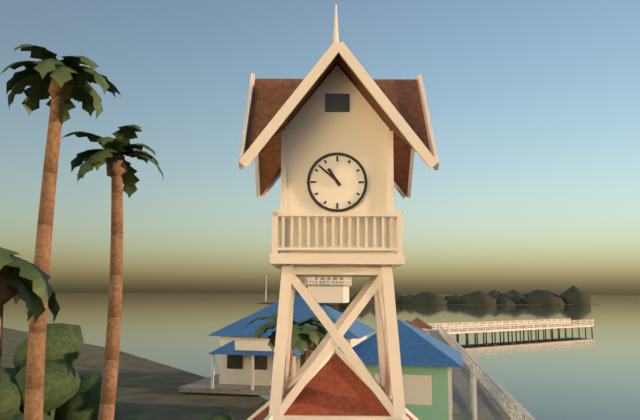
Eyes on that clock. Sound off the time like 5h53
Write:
10h52
